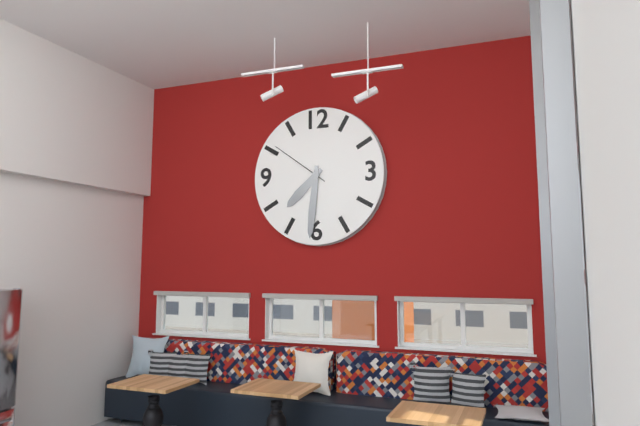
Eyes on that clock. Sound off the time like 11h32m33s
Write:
7h31m51s
